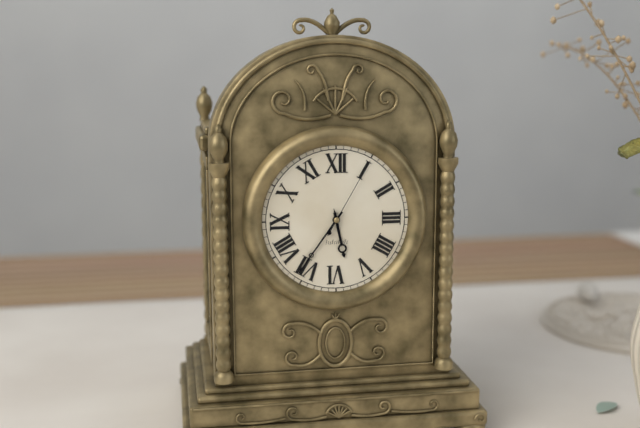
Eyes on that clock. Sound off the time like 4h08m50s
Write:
5h36m05s
